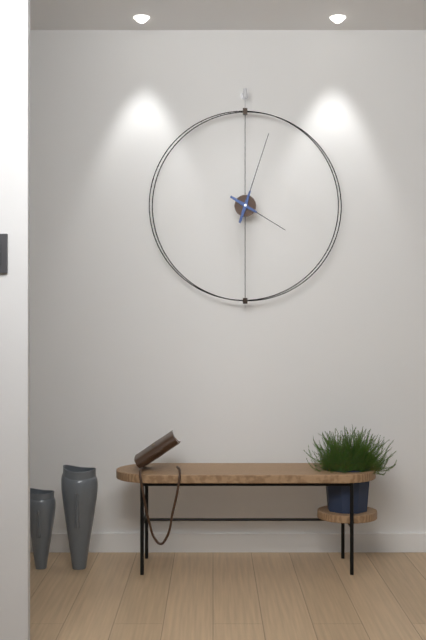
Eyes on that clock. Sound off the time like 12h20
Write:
4h03
